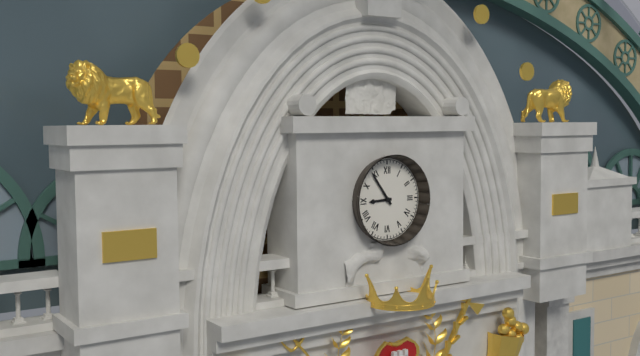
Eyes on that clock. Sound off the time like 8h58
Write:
8h54
